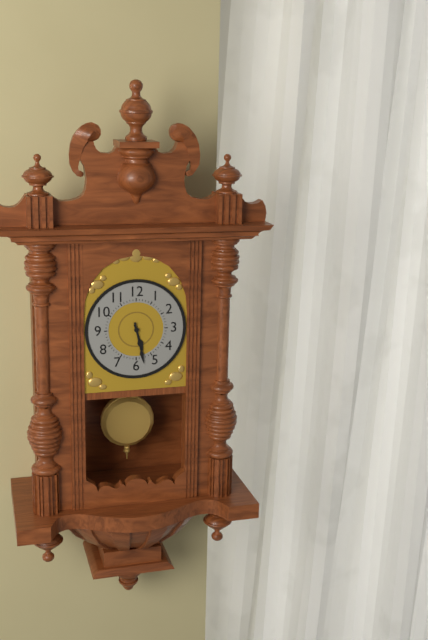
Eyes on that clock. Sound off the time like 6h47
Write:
5h28
